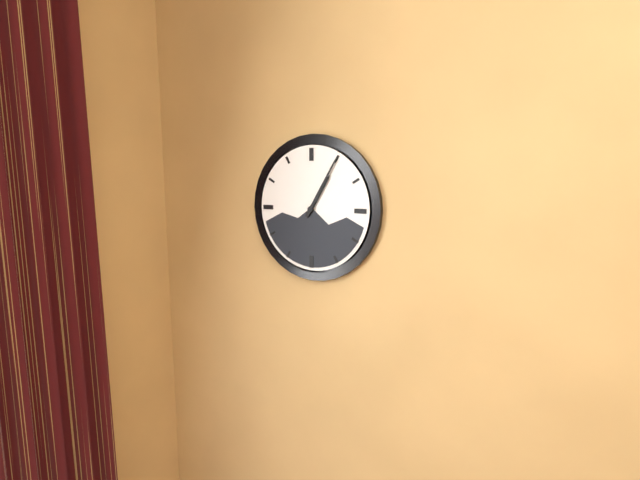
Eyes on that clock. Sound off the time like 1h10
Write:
1h05
